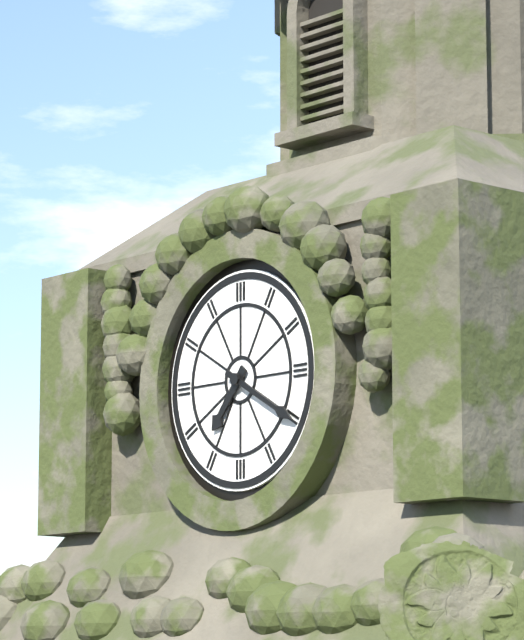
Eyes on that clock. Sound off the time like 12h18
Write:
7h20
